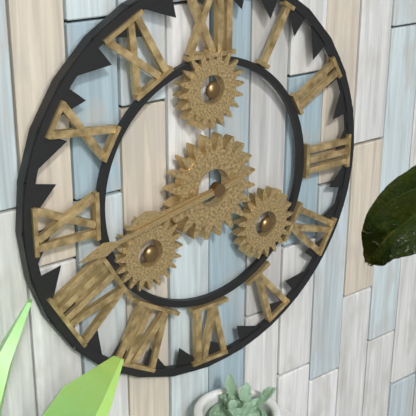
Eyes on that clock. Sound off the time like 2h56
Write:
8h43
